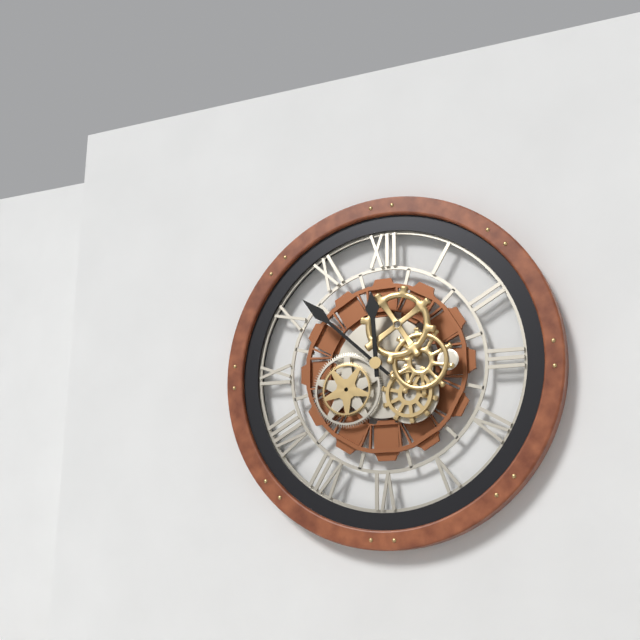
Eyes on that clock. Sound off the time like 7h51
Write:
11h52
